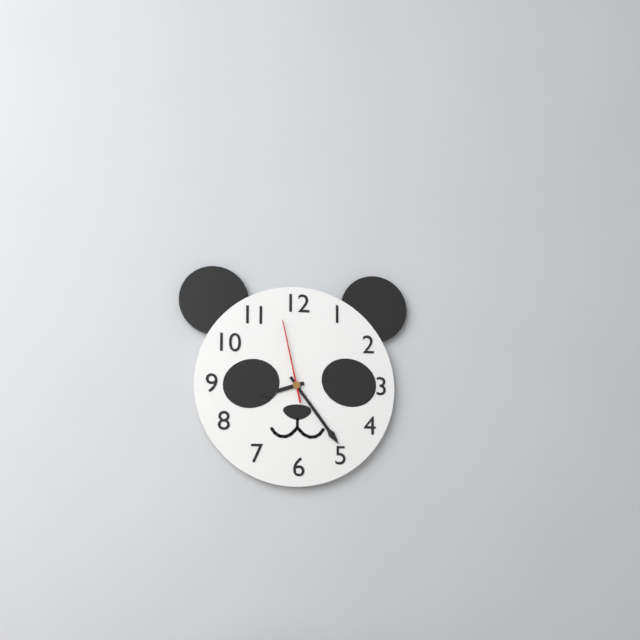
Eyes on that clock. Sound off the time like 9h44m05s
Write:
8h24m58s
